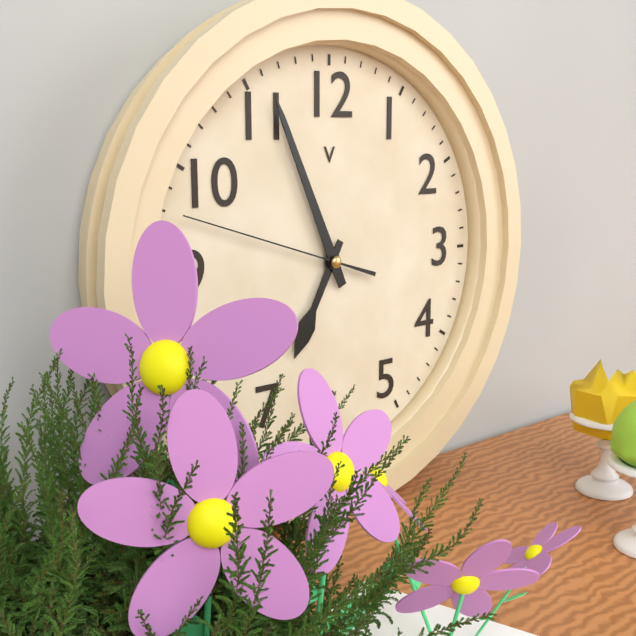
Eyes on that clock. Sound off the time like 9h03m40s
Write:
6h56m48s
